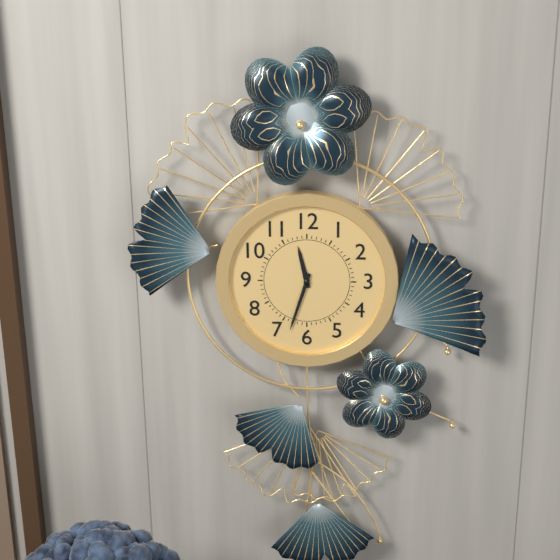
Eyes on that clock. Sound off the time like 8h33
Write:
11h33
